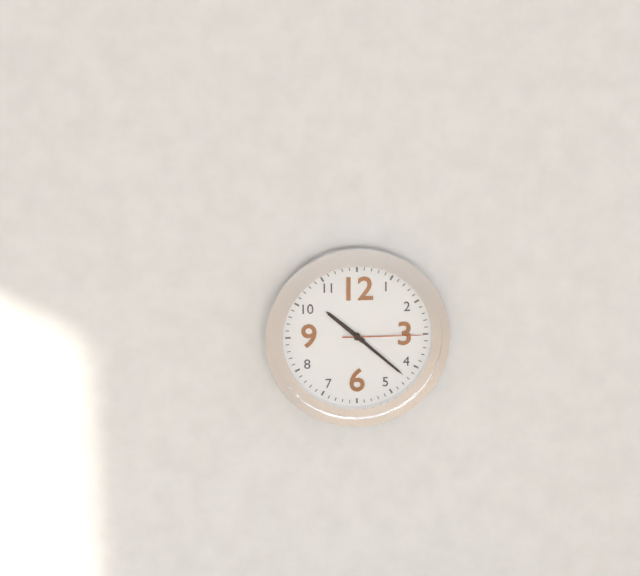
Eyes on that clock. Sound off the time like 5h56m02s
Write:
10h22m15s
